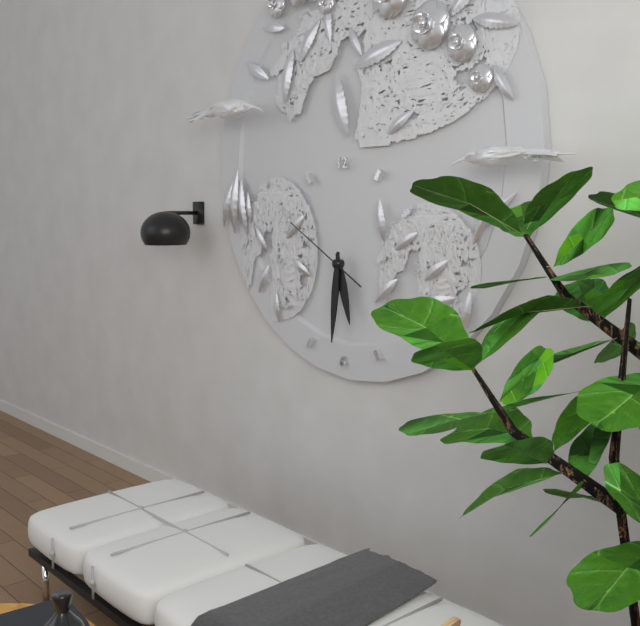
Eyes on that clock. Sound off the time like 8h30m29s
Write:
5h31m50s
